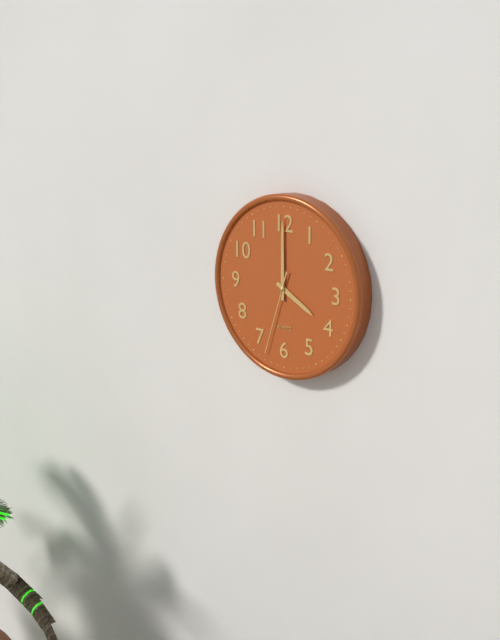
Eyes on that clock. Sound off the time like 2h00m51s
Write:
4h00m33s
